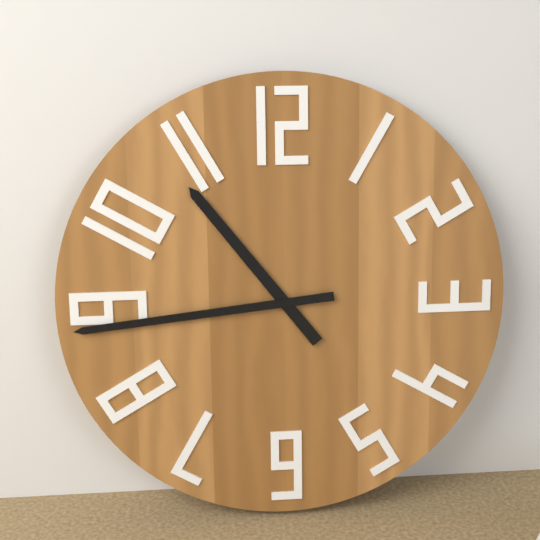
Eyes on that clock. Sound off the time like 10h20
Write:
10h44
